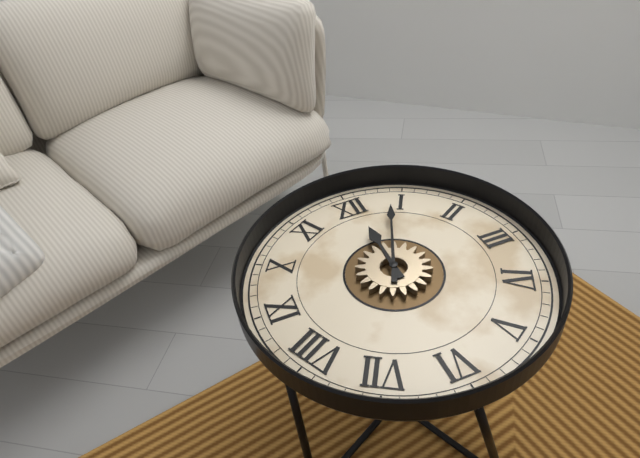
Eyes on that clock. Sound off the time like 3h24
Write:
12h04
